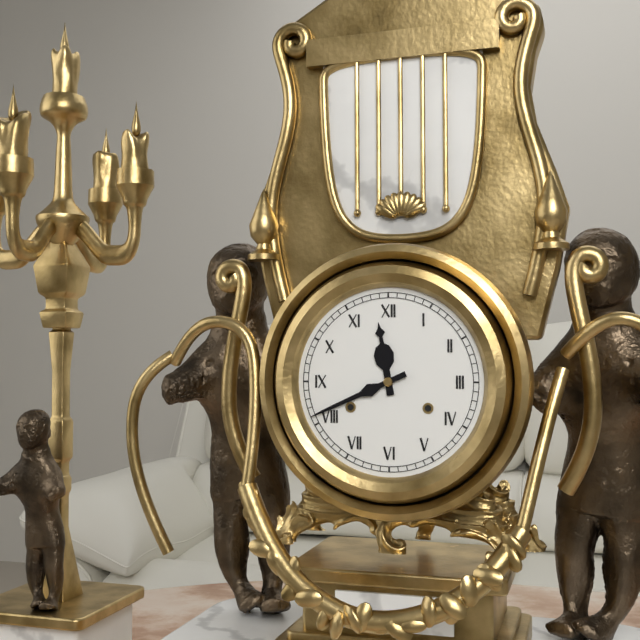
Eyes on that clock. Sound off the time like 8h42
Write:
11h41
